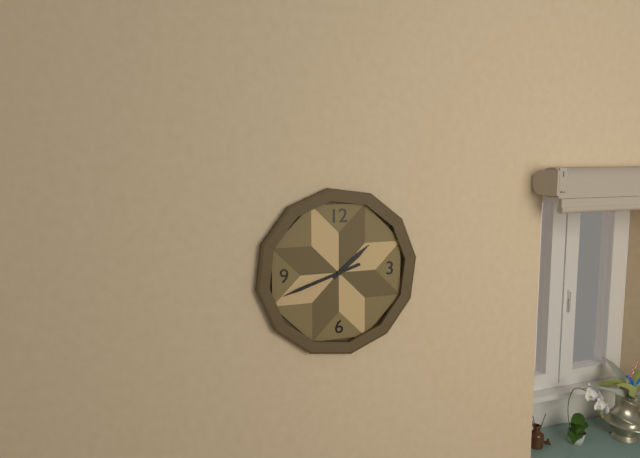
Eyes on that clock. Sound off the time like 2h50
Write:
1h42
